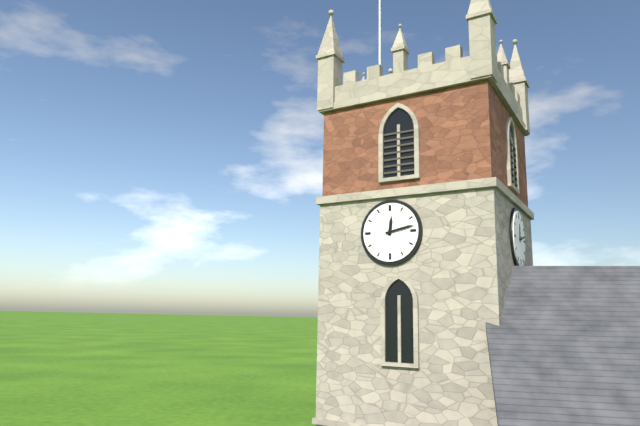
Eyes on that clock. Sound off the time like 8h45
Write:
12h13
